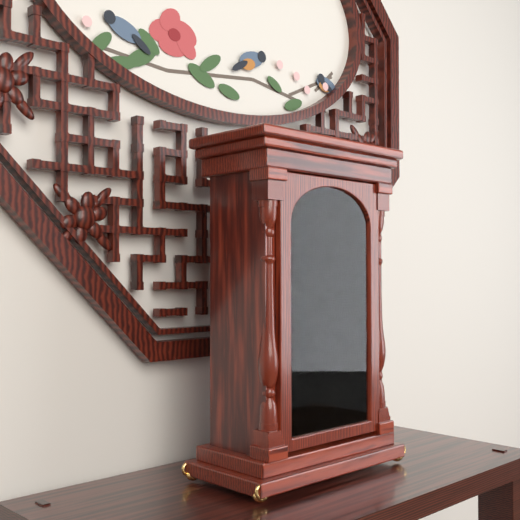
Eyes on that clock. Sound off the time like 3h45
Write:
4h25
